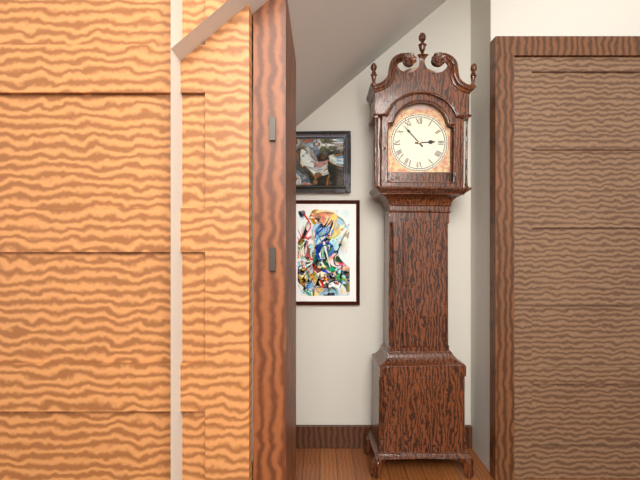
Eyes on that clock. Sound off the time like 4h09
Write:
2h53
